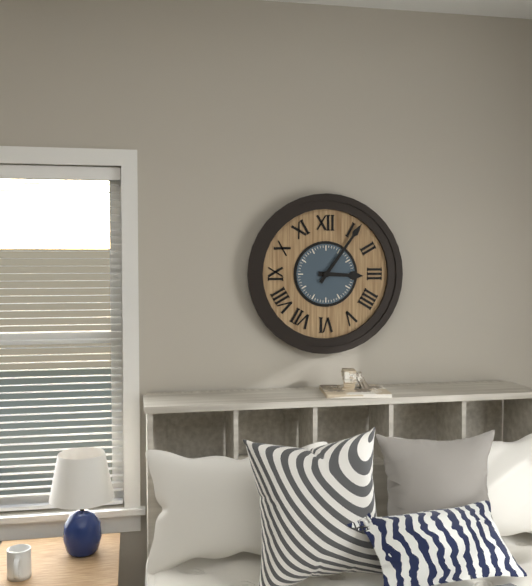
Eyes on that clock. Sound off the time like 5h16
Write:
3h06
